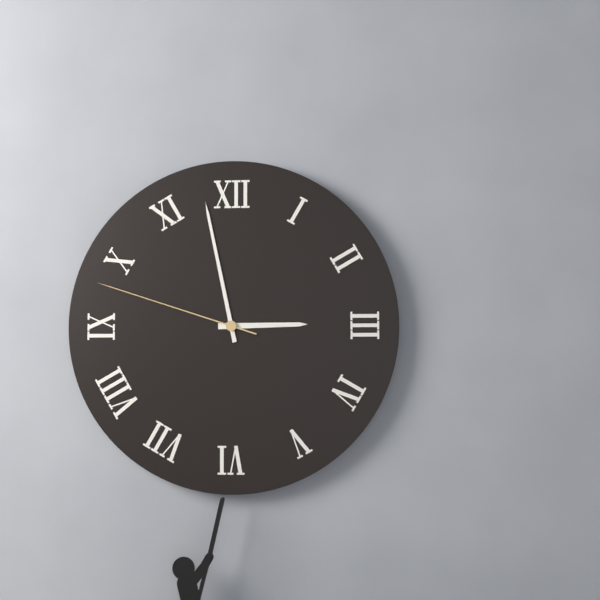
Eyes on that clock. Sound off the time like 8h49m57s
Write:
2h58m48s
